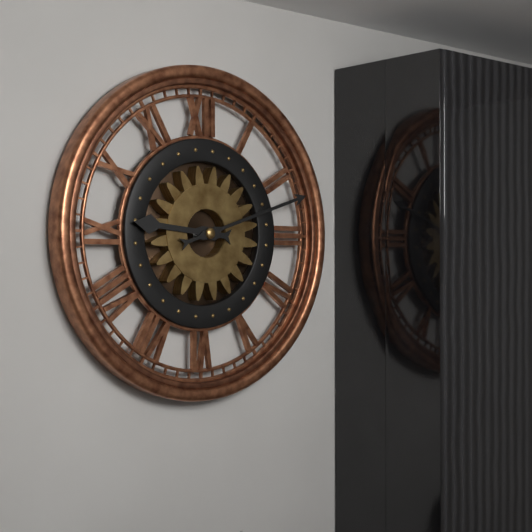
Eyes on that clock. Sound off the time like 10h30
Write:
9h12
